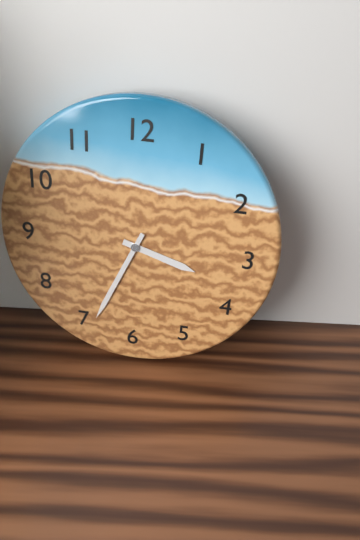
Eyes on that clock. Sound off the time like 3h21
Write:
3h34
